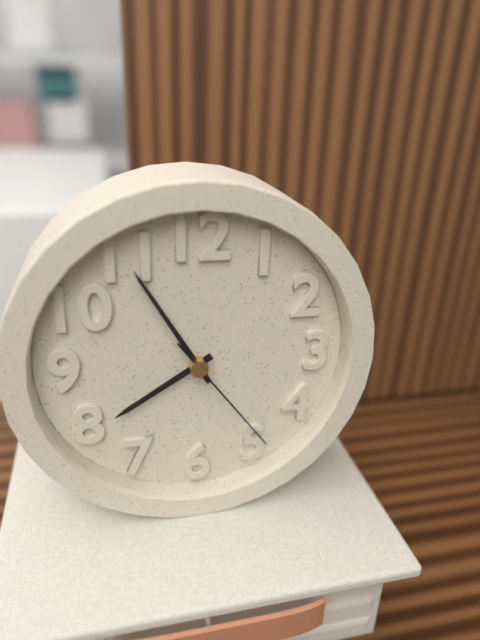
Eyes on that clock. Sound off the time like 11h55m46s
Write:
7h55m24s
